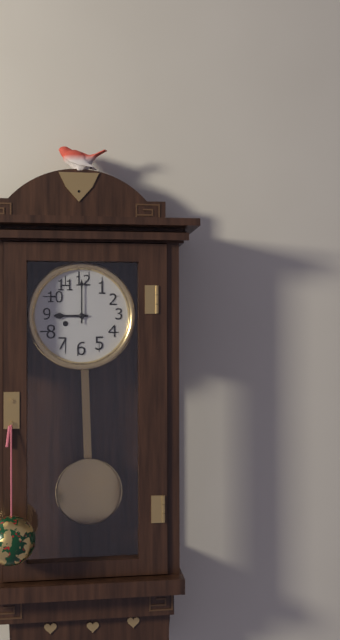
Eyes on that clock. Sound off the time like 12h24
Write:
9h00
